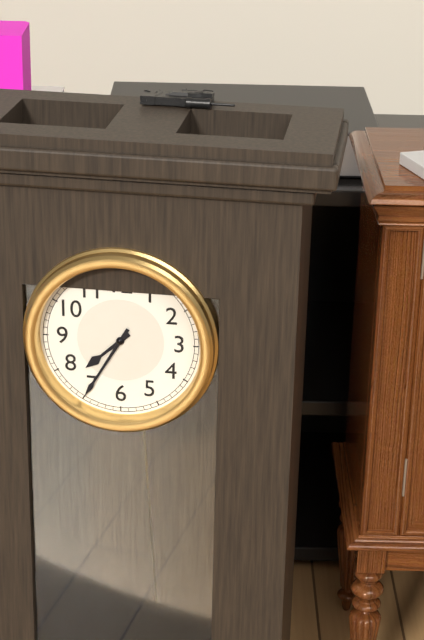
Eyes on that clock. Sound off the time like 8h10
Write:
7h35
